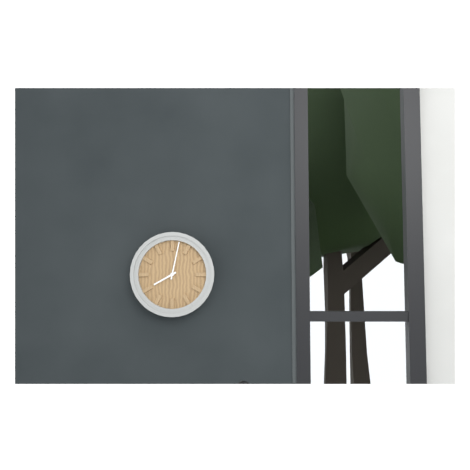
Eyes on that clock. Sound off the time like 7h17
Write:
8h02
